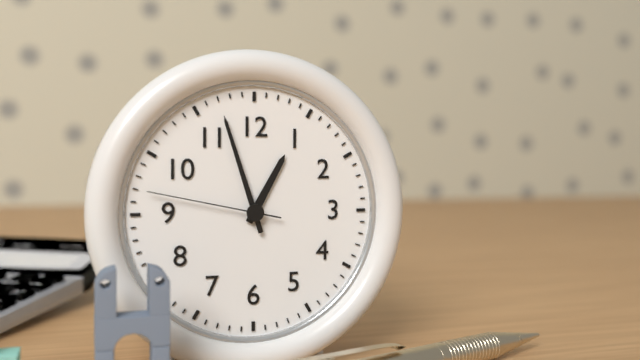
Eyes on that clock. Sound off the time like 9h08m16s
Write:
12h57m47s
